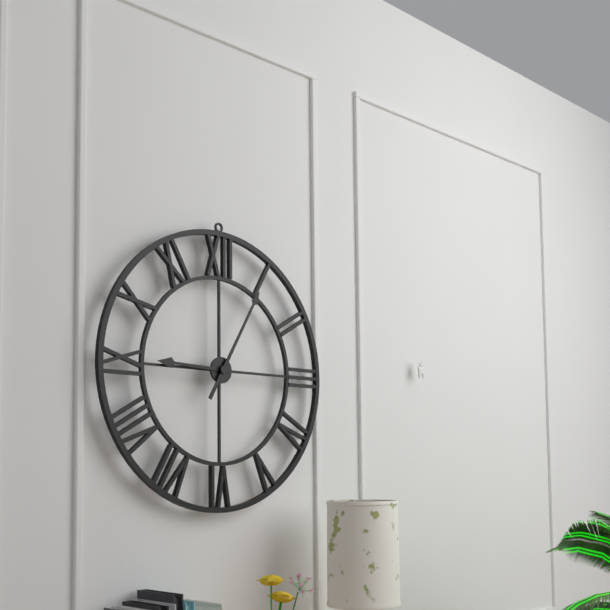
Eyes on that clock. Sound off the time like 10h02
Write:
9h05
